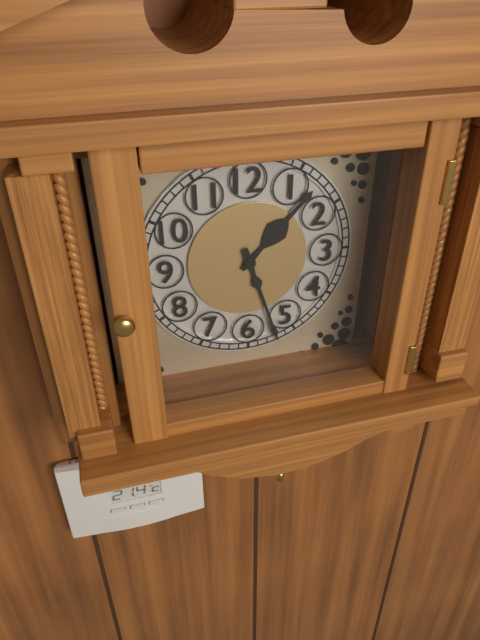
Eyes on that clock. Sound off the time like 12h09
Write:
1h27
